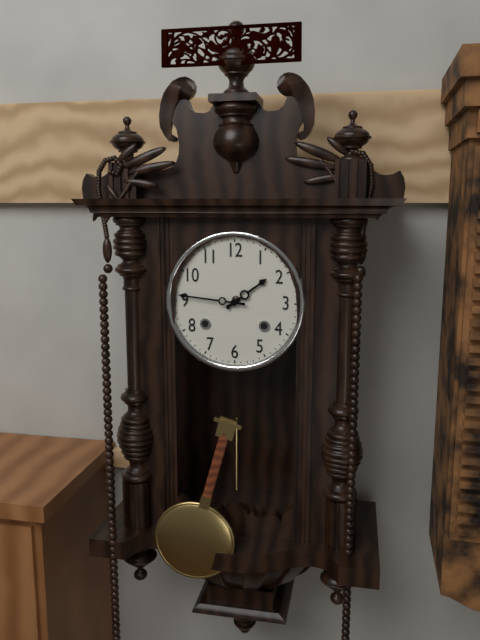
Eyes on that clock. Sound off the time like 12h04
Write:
1h46
